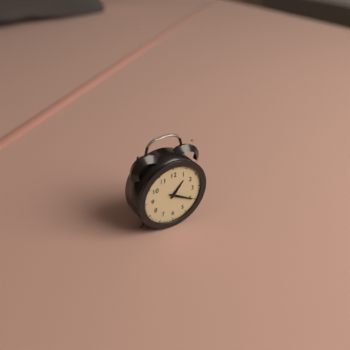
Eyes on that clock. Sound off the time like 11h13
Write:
1h20
